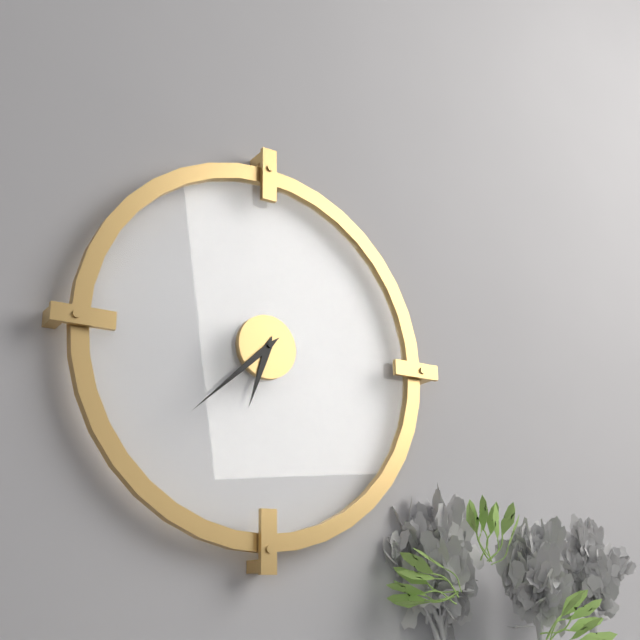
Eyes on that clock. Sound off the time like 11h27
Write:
6h38
